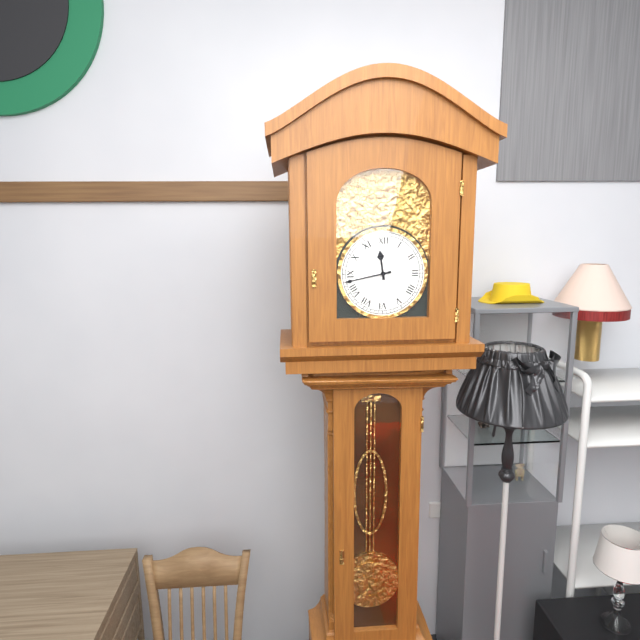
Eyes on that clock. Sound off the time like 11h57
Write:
11h43
